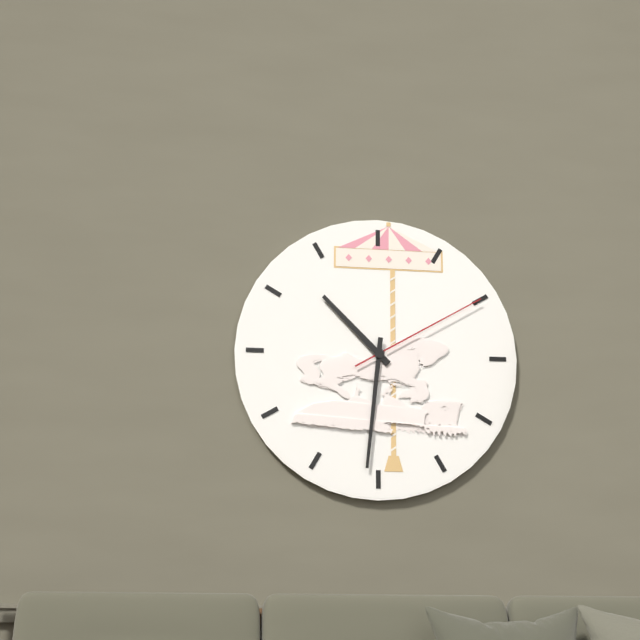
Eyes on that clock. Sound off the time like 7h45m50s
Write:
10h31m10s
